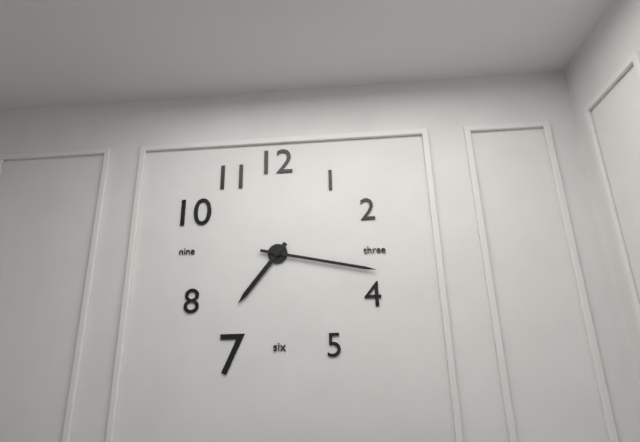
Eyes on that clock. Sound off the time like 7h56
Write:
7h17
